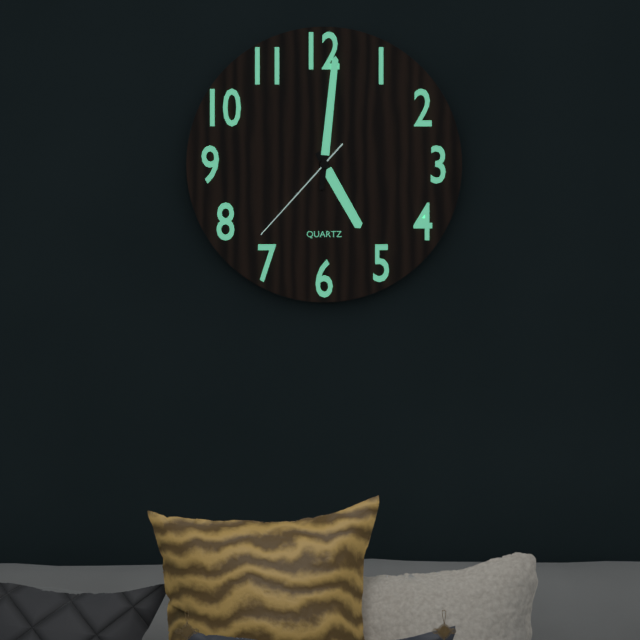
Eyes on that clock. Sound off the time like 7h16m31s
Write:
5h01m37s
